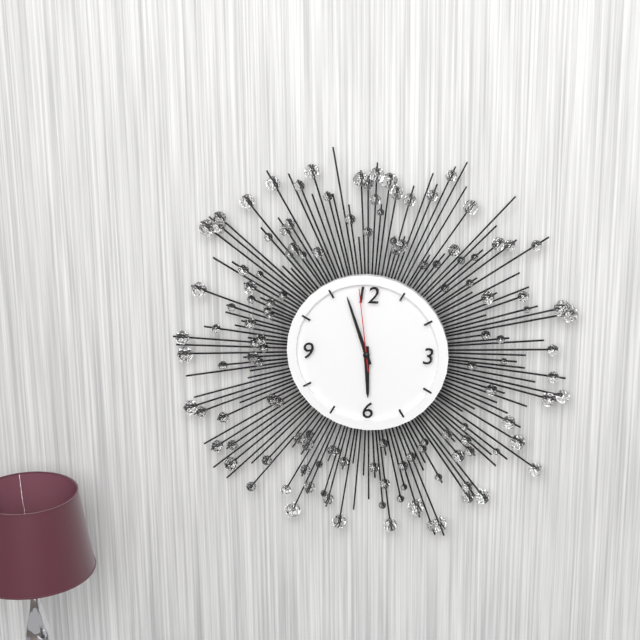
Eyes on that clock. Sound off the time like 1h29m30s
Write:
5h57m59s
